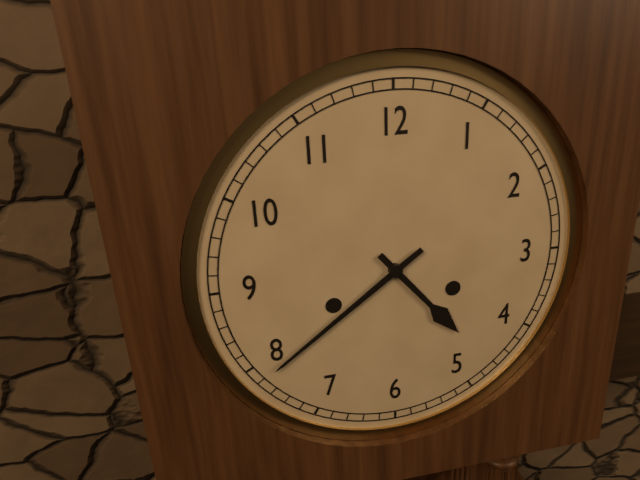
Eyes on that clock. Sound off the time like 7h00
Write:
4h39
